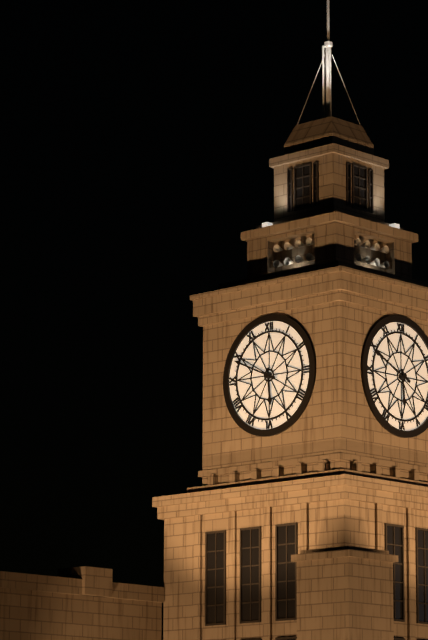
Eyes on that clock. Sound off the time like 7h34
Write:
5h49
